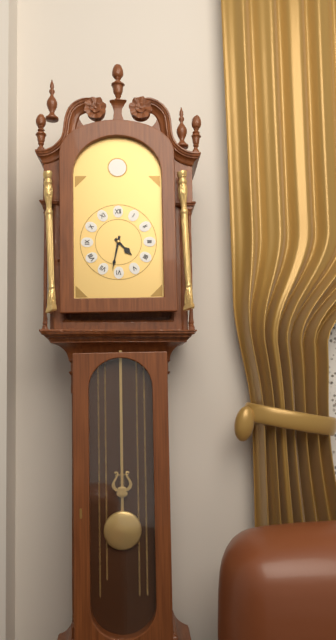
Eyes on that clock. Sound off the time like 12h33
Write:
4h32
